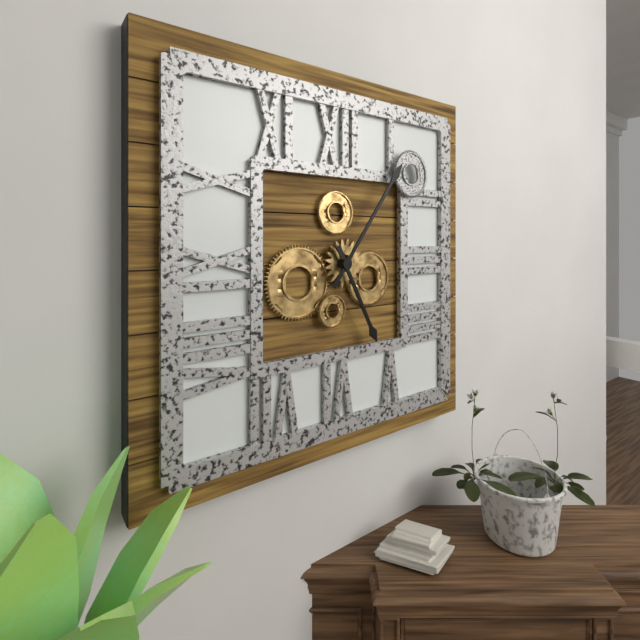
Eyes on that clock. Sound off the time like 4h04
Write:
5h06
